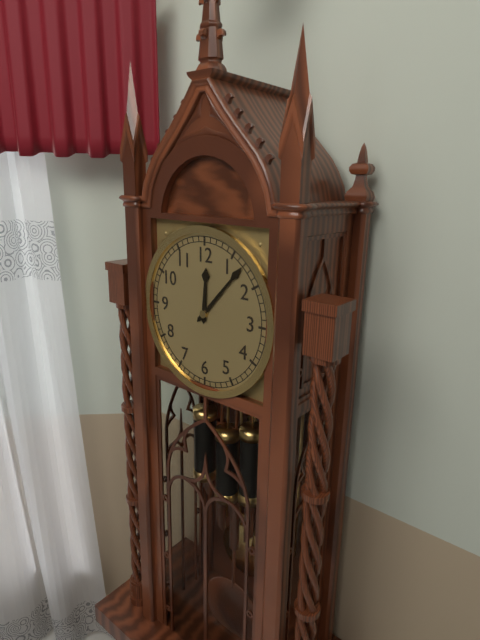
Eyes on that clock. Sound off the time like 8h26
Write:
12h07
